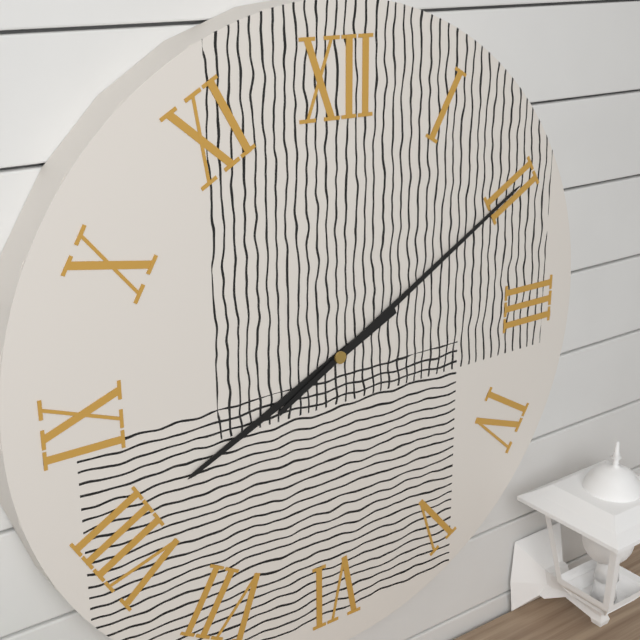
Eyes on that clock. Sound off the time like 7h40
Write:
8h10
